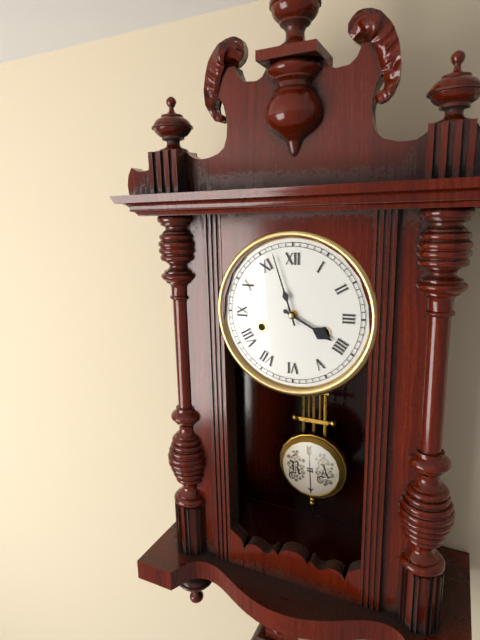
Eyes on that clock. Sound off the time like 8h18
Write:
3h57
